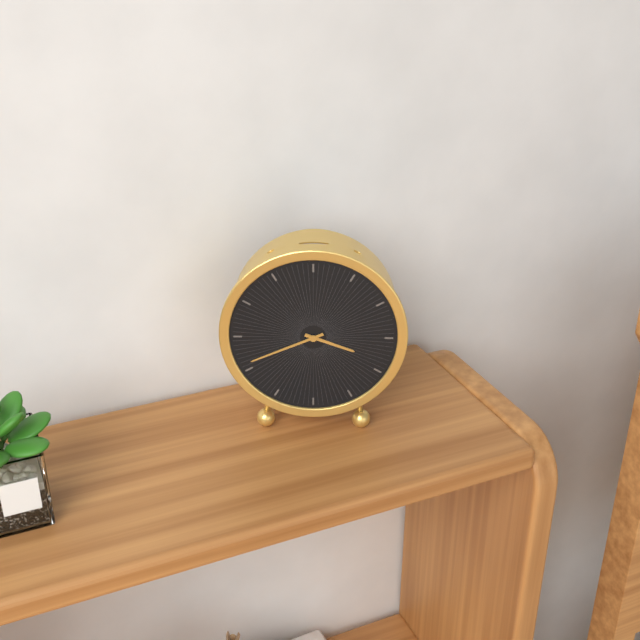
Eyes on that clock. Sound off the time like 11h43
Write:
3h41
